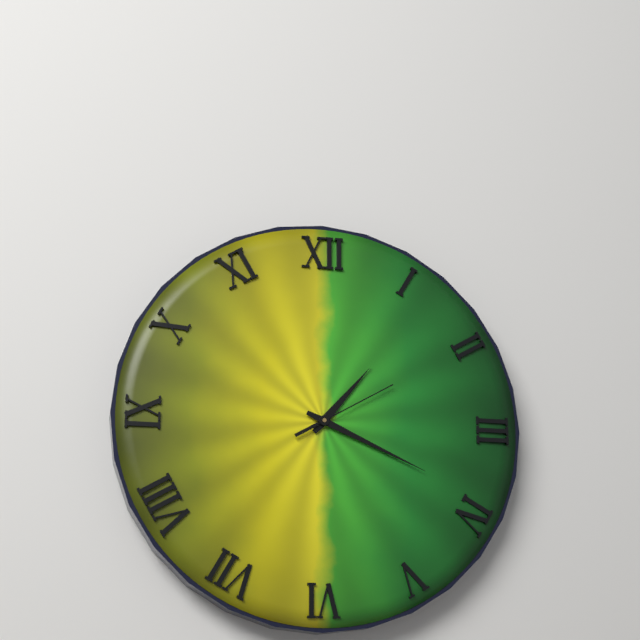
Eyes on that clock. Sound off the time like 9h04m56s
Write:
1h19m10s
